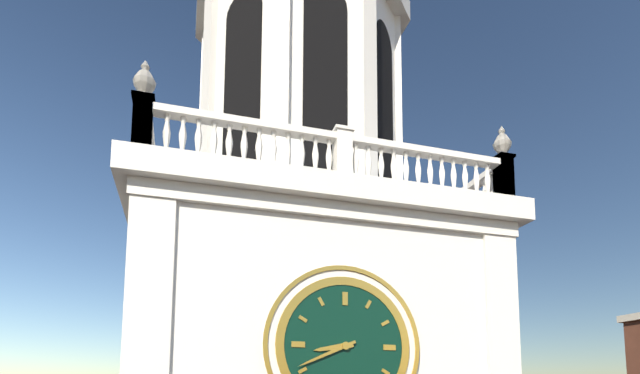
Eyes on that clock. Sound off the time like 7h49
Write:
8h41
